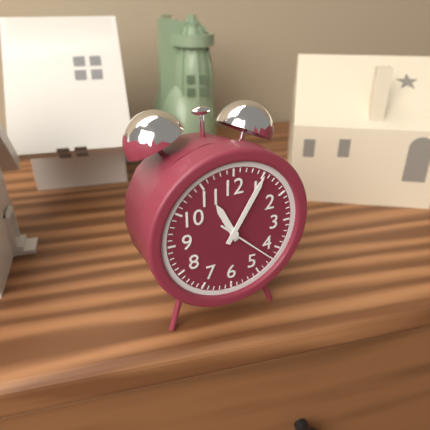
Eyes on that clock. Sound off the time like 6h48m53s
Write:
11h05m22s
